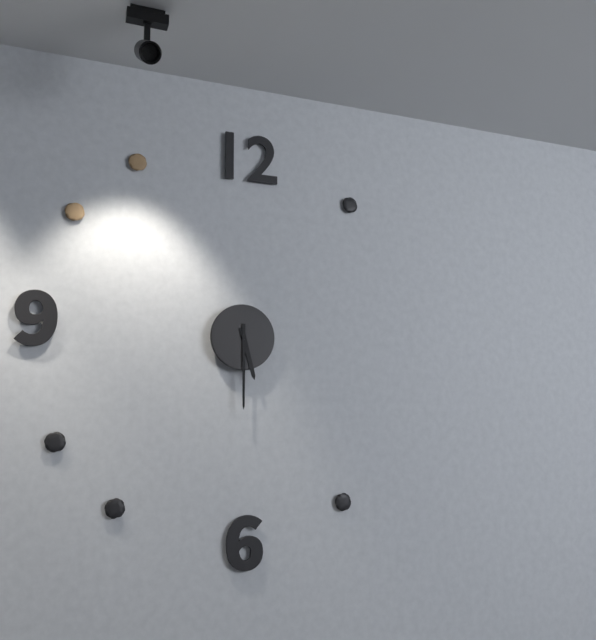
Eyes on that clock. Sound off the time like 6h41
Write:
5h30
